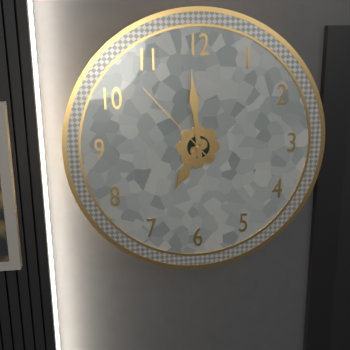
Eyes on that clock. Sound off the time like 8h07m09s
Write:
6h59m53s
